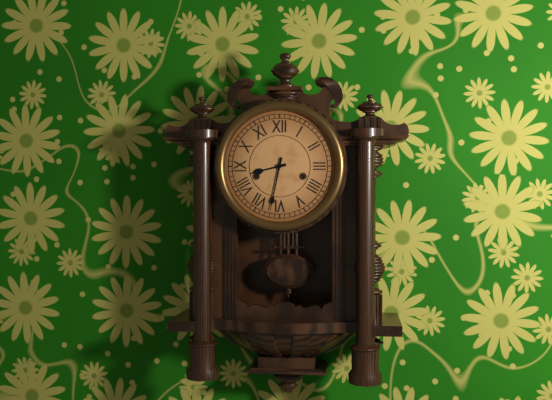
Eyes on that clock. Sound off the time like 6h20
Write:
8h32
